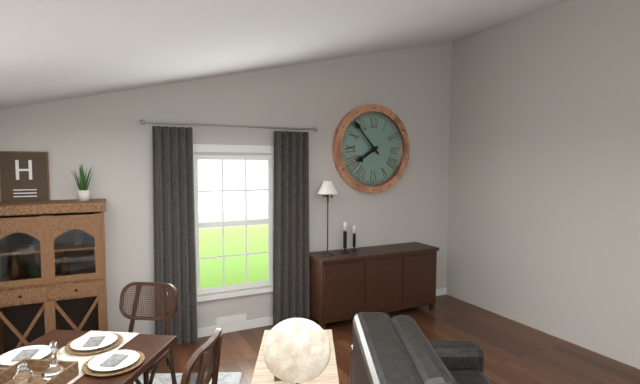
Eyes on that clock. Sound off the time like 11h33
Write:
7h53
